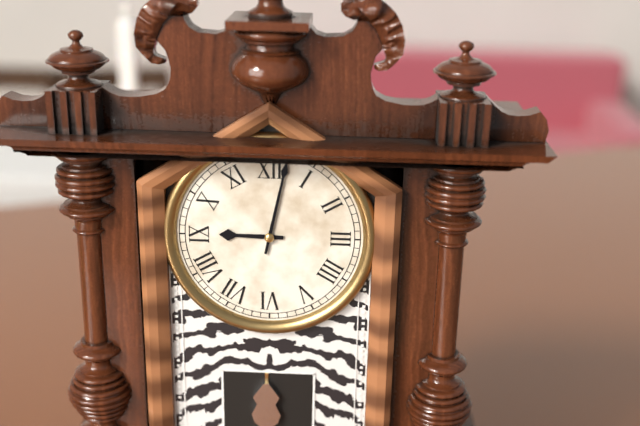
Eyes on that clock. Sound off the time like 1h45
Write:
9h02
